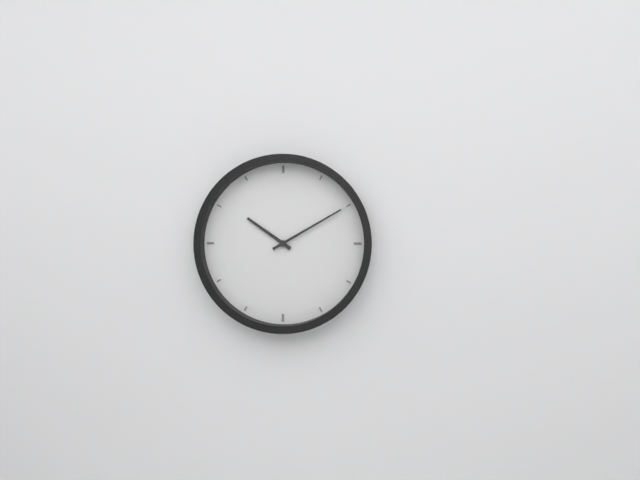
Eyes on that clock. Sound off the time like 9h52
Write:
10h10
